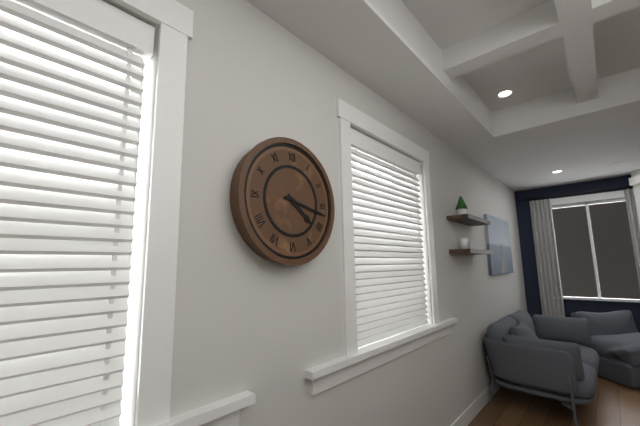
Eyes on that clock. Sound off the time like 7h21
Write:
4h17
